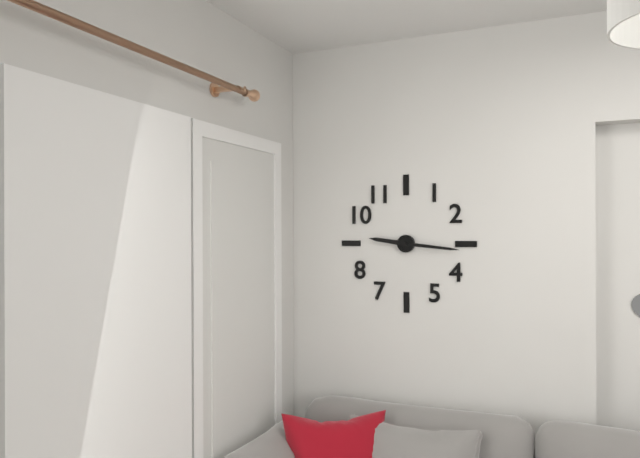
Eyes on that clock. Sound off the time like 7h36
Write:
9h16
